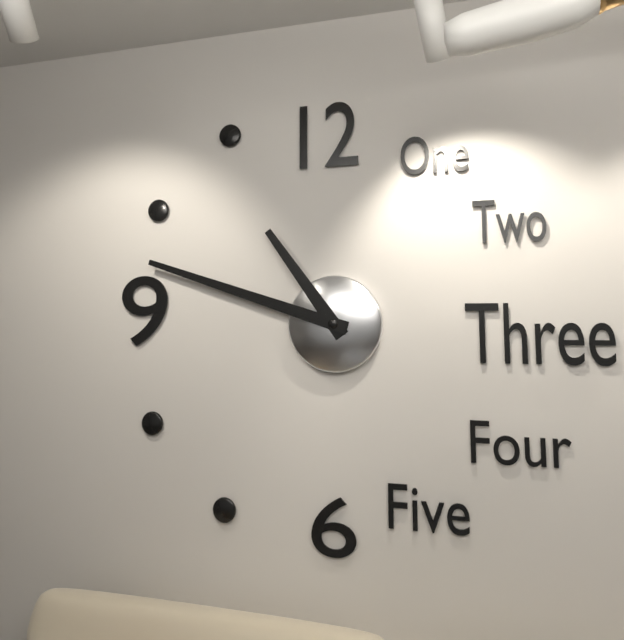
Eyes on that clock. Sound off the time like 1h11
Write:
10h48
